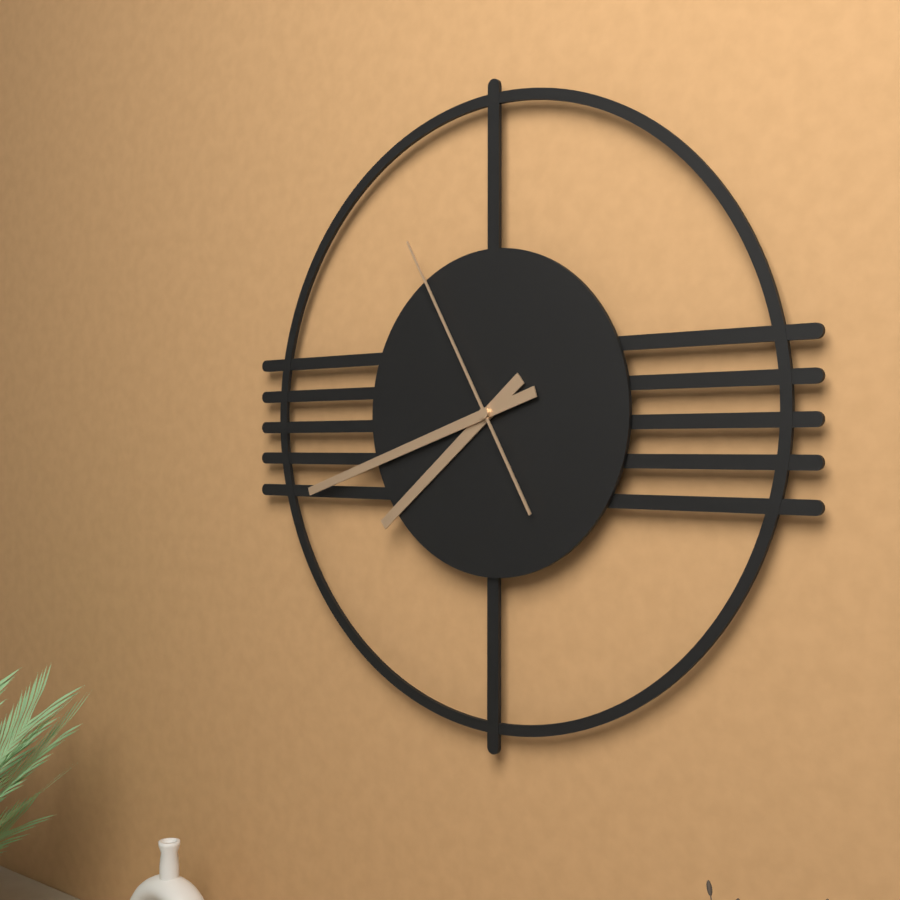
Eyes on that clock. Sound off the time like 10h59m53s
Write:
7h42m55s
